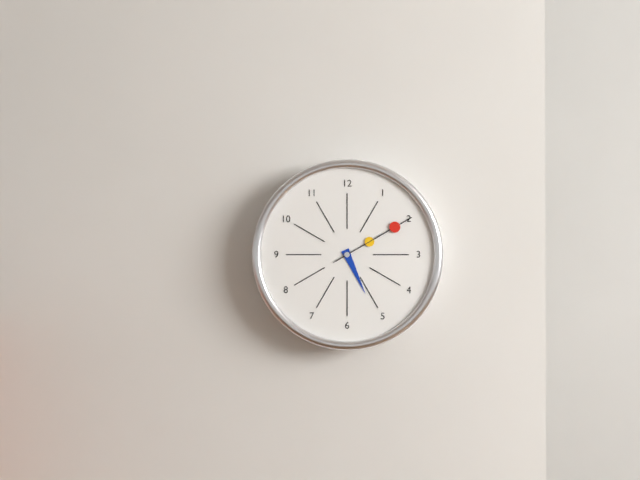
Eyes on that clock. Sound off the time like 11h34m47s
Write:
5h10m10s
